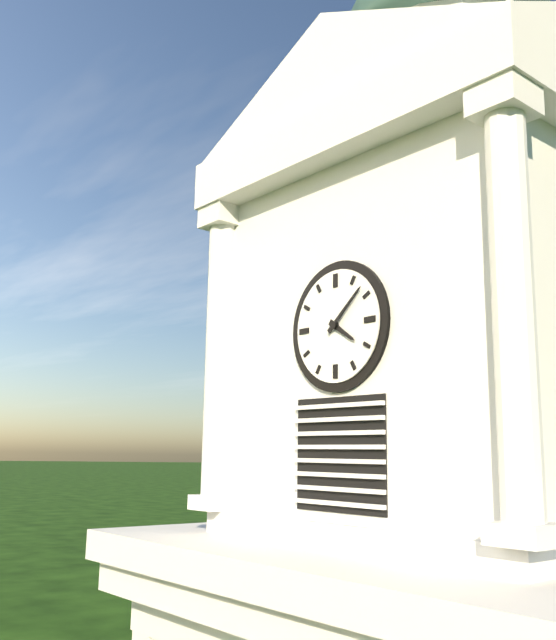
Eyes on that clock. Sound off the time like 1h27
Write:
4h08
